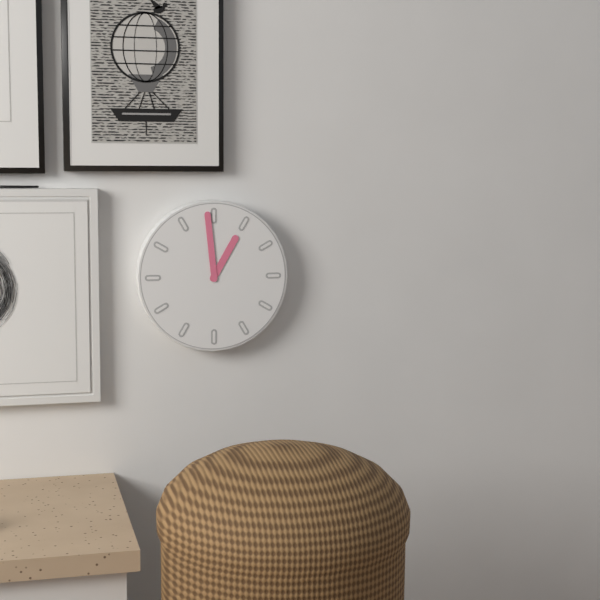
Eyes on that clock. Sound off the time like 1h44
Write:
12h59
